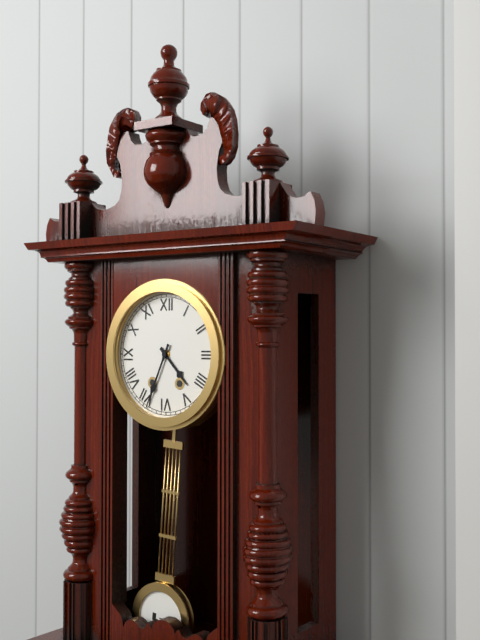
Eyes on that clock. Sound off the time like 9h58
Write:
4h34
